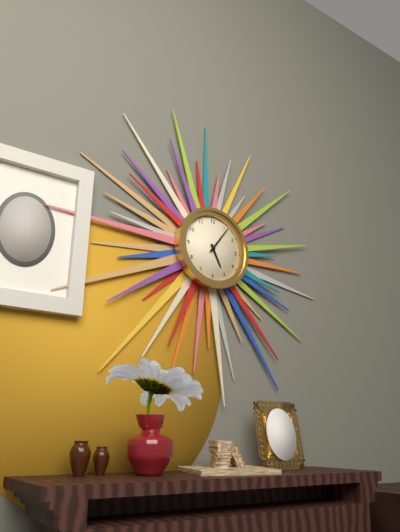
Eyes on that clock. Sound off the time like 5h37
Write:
5h06
